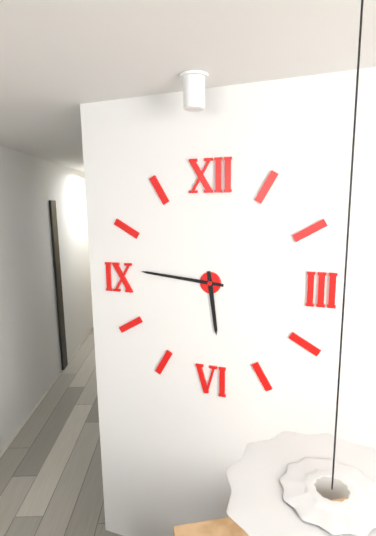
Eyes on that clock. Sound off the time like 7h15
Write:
5h46
